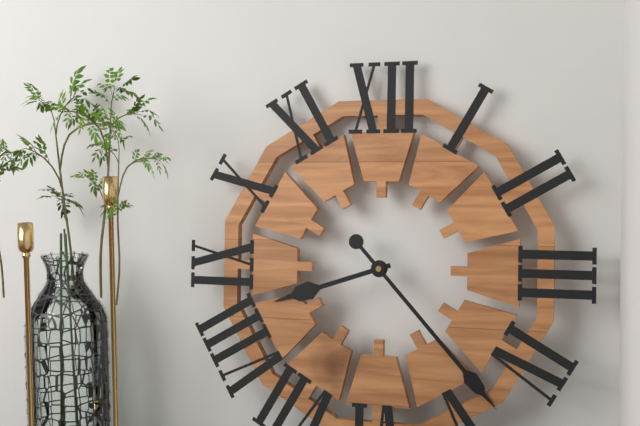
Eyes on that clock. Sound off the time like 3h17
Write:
8h23
